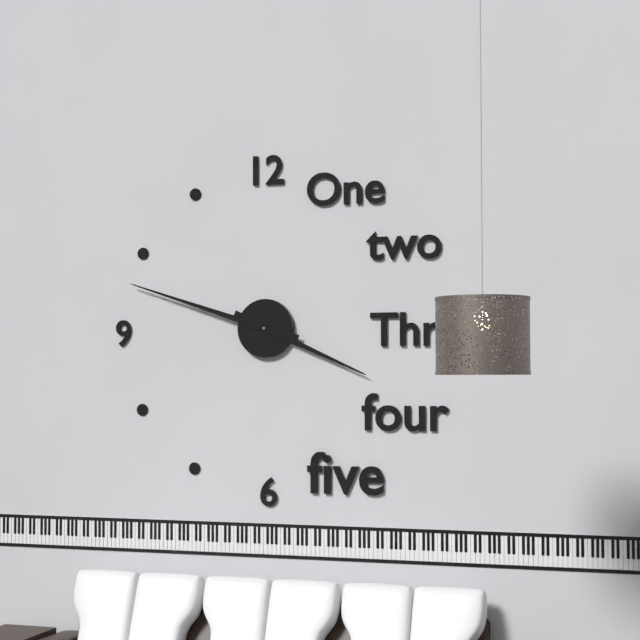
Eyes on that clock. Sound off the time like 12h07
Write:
3h48
